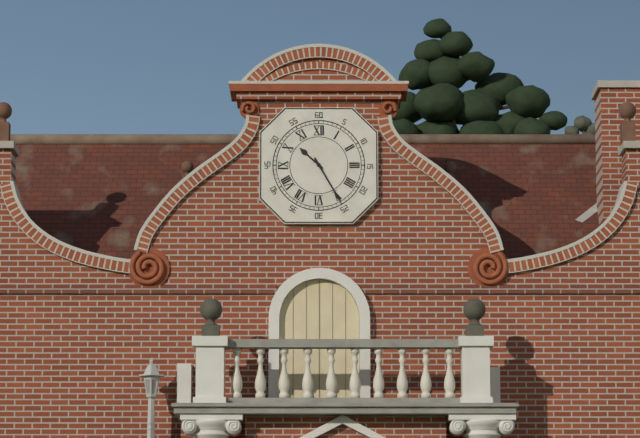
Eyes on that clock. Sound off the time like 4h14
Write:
10h25
